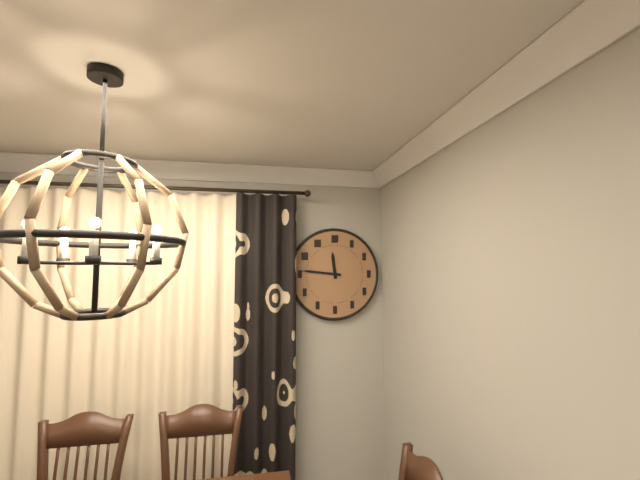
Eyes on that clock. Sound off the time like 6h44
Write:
11h46
